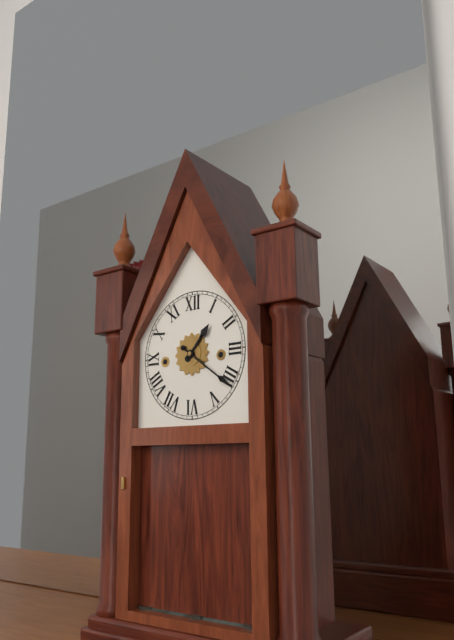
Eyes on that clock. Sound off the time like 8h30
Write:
1h21
